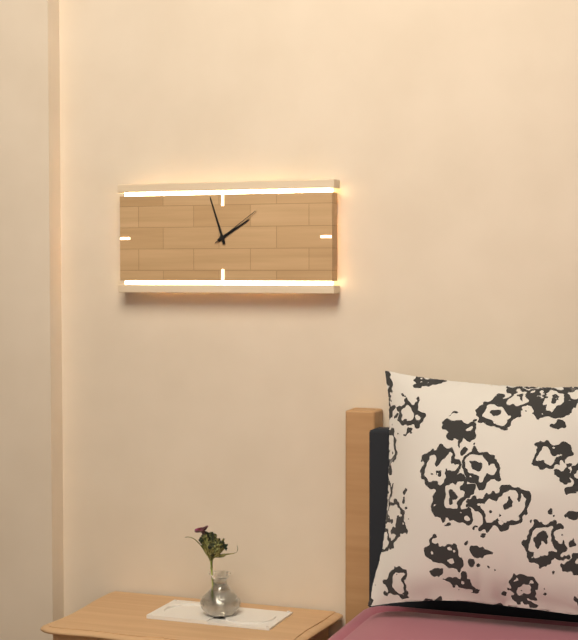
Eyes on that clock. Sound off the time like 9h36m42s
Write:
1h57m09s
